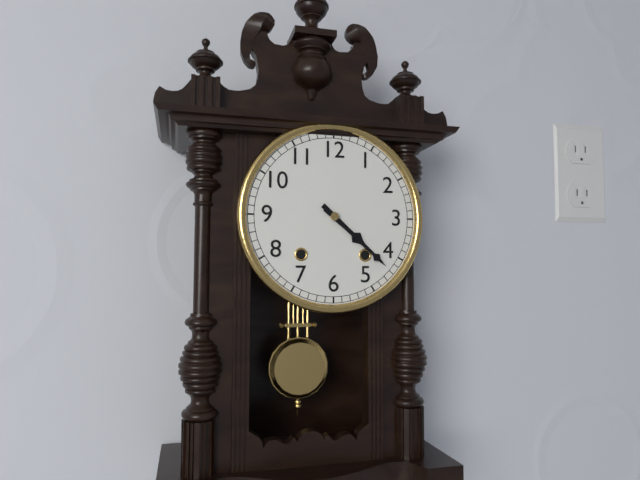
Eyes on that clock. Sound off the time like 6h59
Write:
4h22
